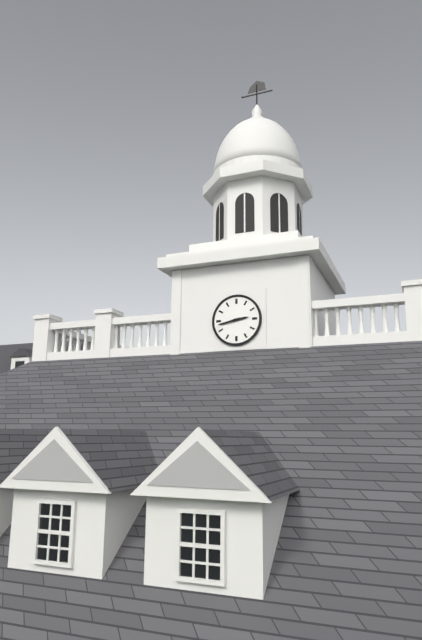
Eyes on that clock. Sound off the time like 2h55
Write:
2h43
